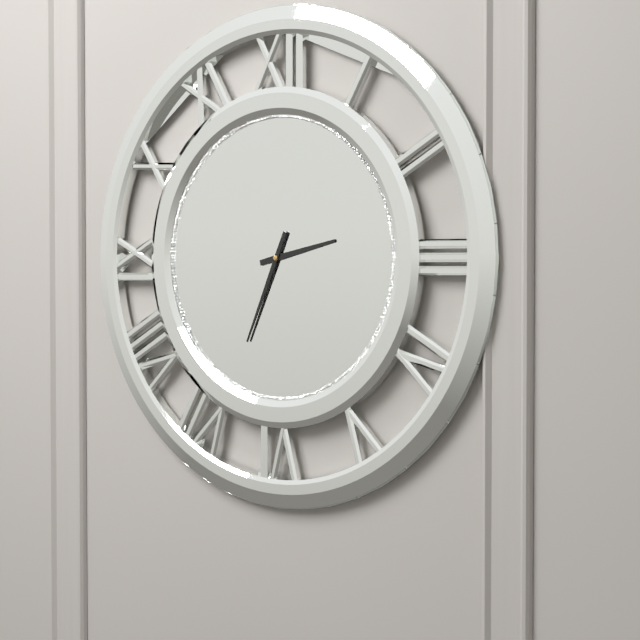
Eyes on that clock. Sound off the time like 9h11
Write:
2h34
